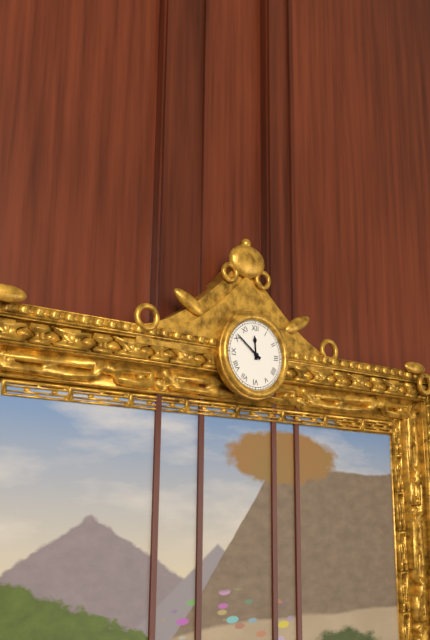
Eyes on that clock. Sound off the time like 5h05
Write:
11h51
